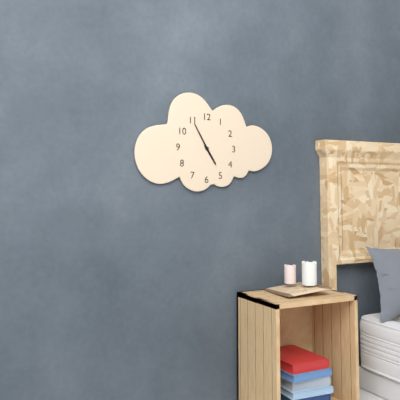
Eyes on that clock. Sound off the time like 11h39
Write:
4h55
